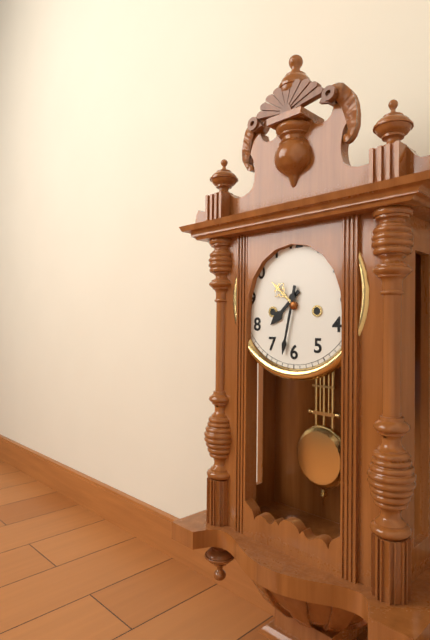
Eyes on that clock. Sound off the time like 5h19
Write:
7h32
